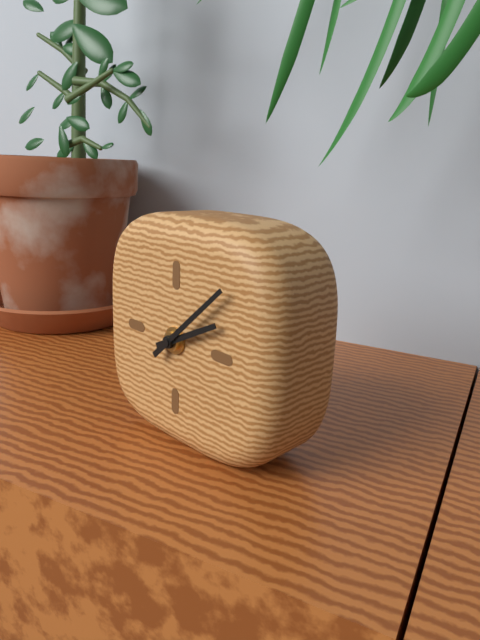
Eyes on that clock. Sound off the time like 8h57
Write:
2h08
